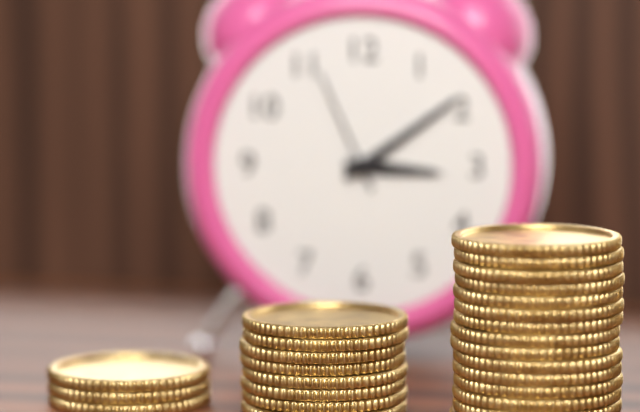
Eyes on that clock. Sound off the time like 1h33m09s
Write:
3h09m56s
